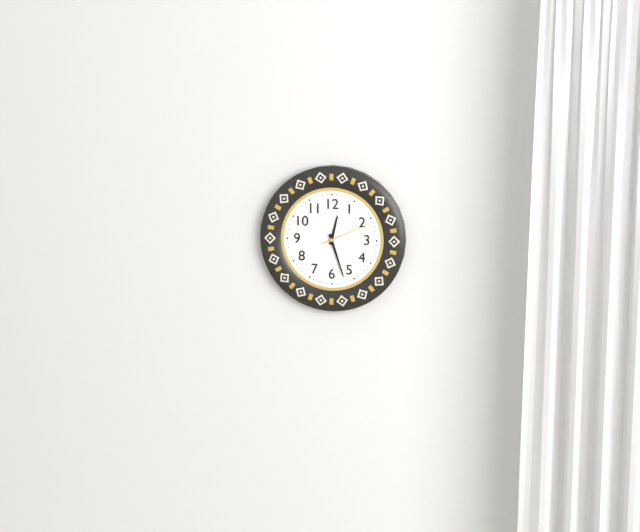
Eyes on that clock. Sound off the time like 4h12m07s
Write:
12h27m11s
